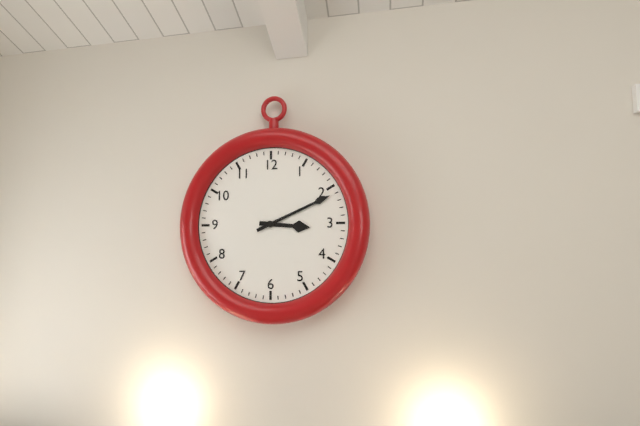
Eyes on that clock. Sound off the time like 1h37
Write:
3h11
